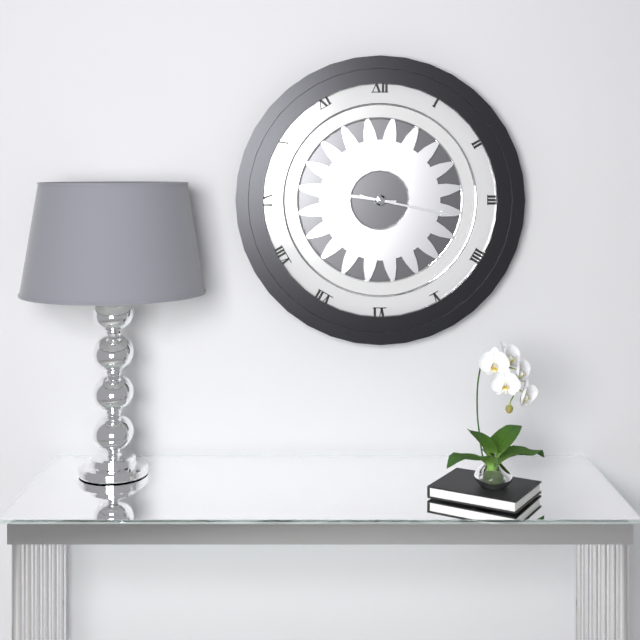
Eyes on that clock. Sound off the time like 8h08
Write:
9h17
